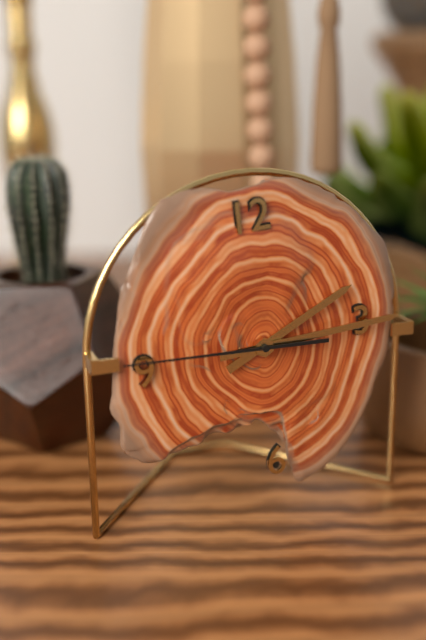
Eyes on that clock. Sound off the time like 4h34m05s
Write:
2h15m46s
